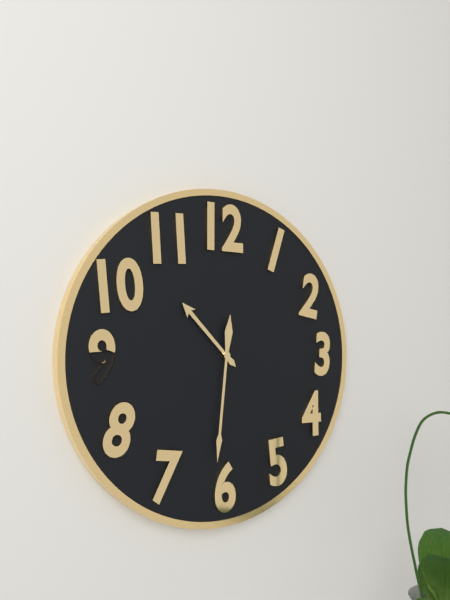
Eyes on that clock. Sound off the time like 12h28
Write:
10h31
